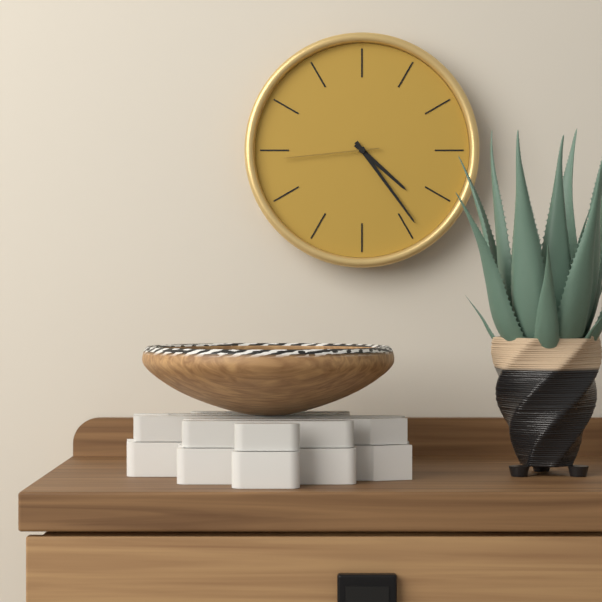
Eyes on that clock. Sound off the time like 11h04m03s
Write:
4h24m44s
